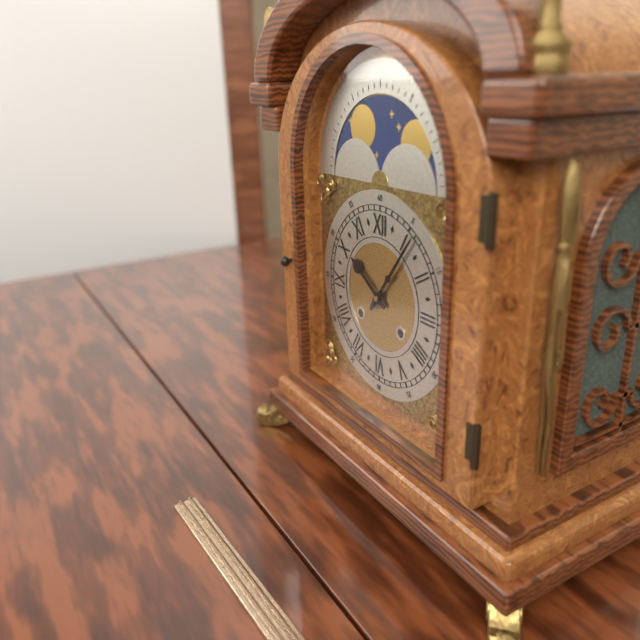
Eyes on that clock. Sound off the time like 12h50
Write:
10h06
